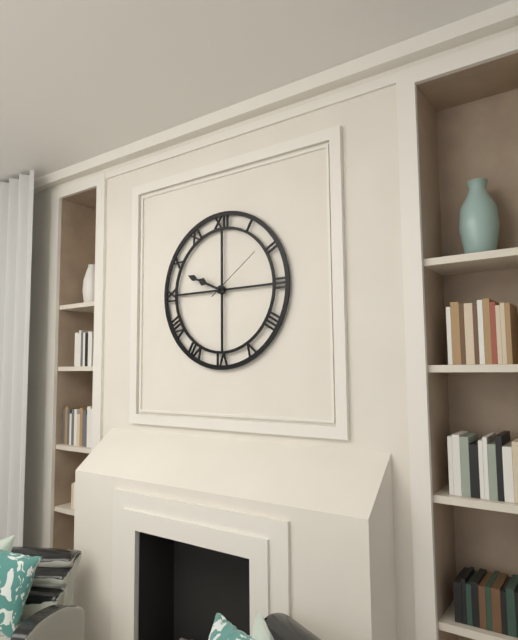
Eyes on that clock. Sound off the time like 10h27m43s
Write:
9h49m09s
